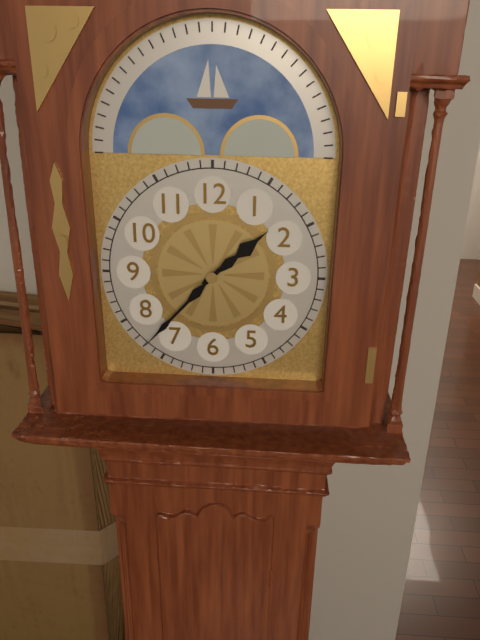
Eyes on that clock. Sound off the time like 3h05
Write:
1h37
